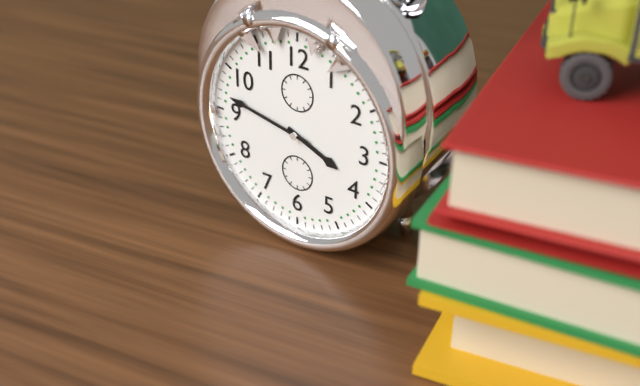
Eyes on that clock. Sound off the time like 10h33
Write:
3h47
